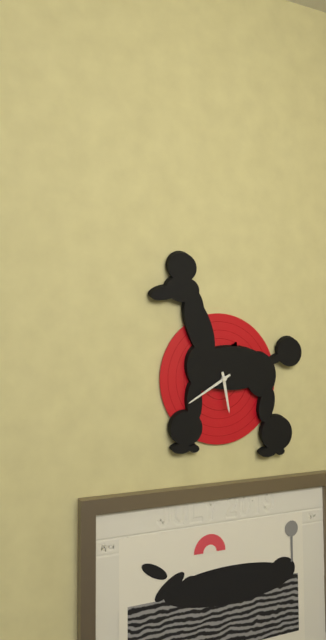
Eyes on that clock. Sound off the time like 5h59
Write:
5h40
